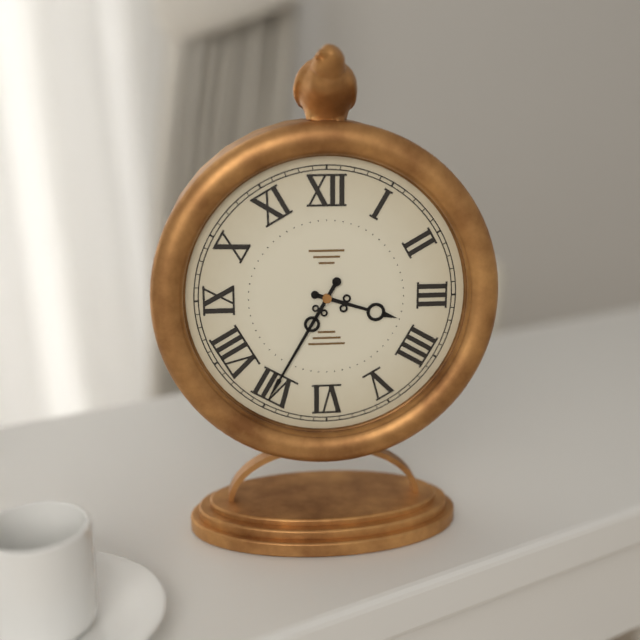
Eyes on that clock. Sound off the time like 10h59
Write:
3h35
